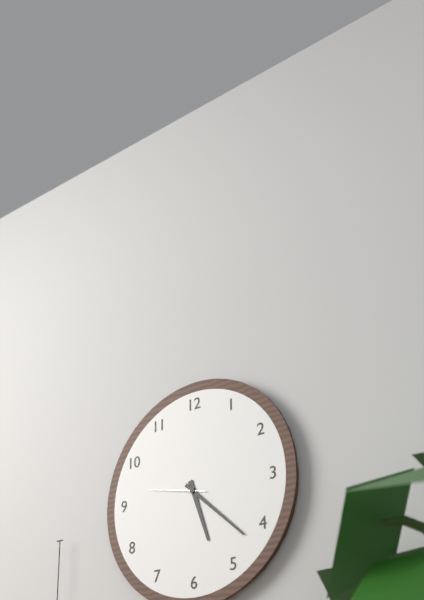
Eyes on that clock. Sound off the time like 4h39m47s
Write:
5h22m47s
